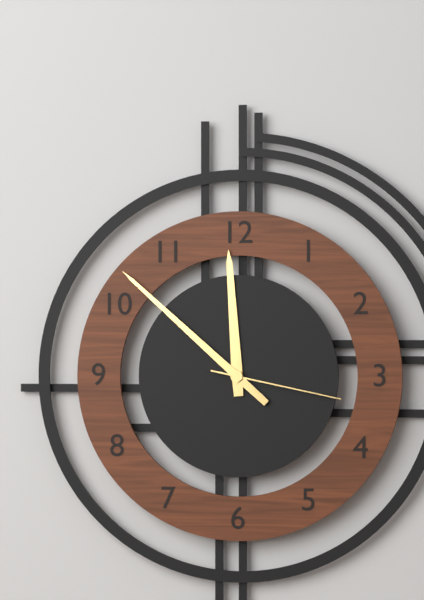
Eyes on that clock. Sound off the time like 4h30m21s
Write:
11h52m17s
